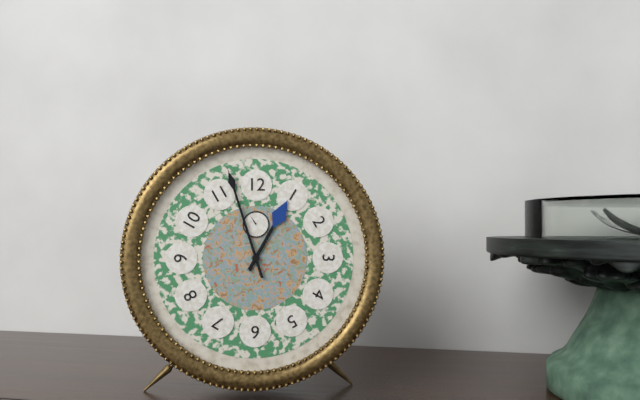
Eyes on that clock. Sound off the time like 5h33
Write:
12h57
